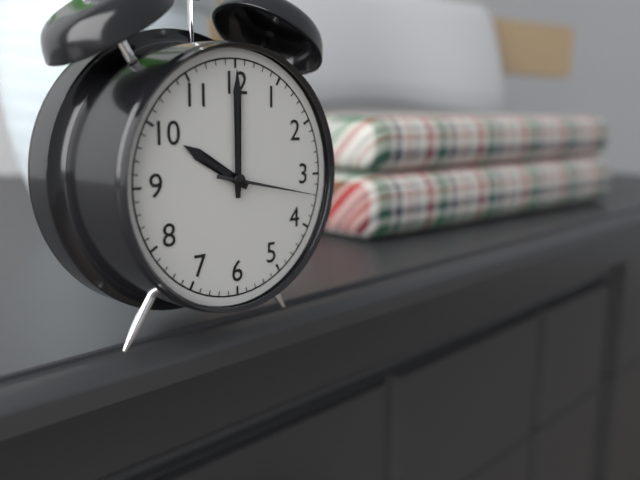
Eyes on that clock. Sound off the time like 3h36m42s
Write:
10h00m17s
